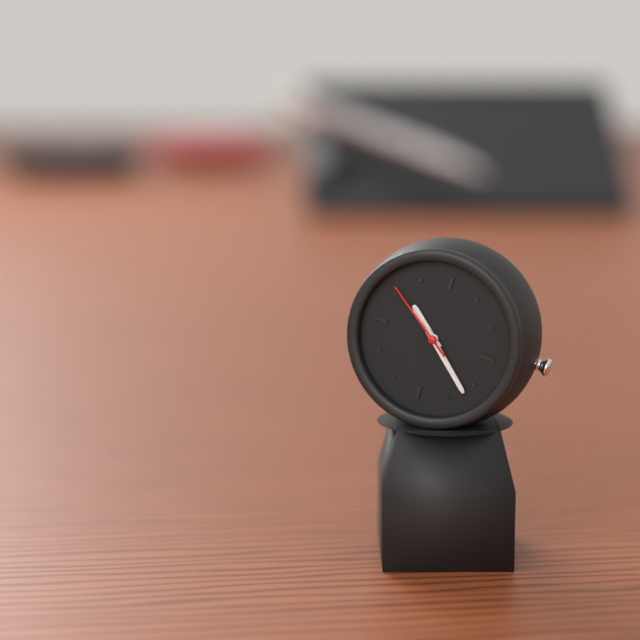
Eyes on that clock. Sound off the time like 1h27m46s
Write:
10h22m51s
